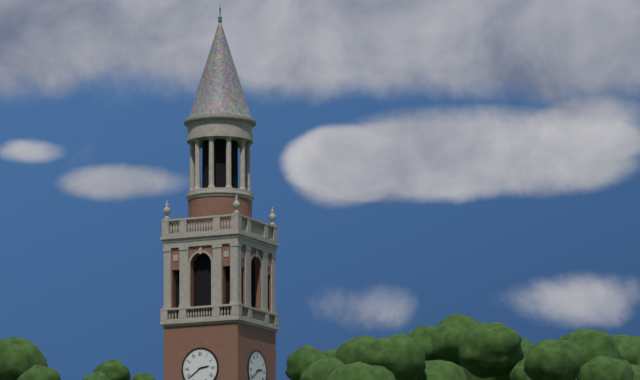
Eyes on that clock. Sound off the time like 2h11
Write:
2h39
